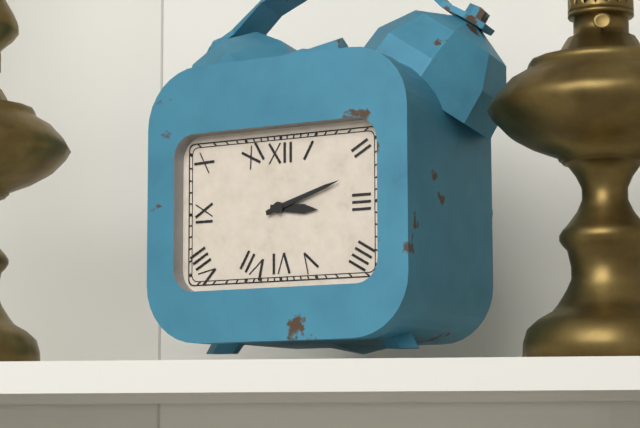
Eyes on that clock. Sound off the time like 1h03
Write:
3h12
